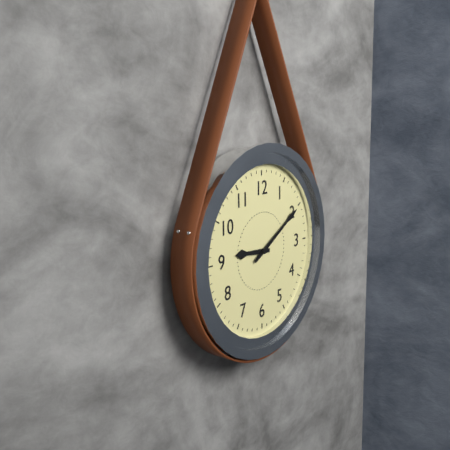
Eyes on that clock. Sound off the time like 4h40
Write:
9h10
